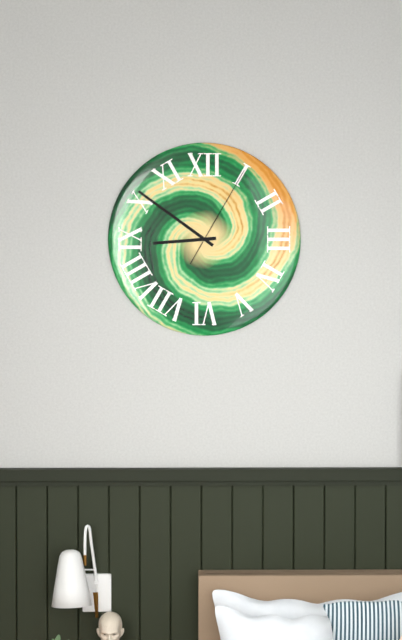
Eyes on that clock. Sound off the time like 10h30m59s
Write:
8h51m05s
